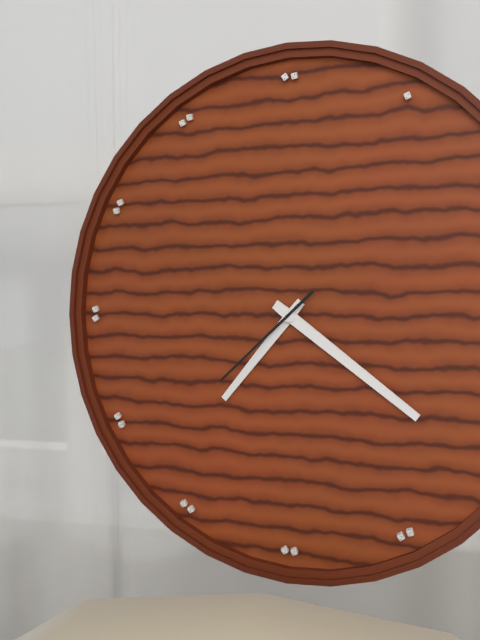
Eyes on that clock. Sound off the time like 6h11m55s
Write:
7h21m38s
